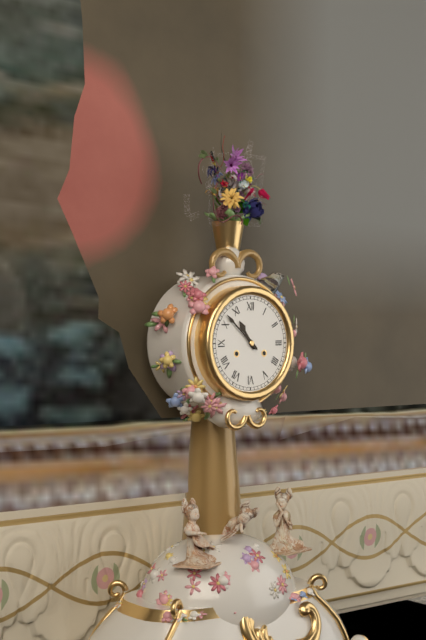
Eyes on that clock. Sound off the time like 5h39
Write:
10h52
